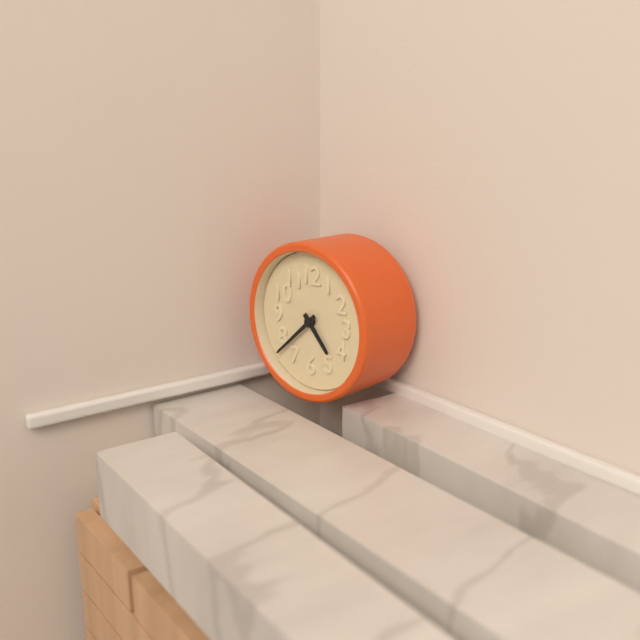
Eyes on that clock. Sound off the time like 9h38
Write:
4h38
